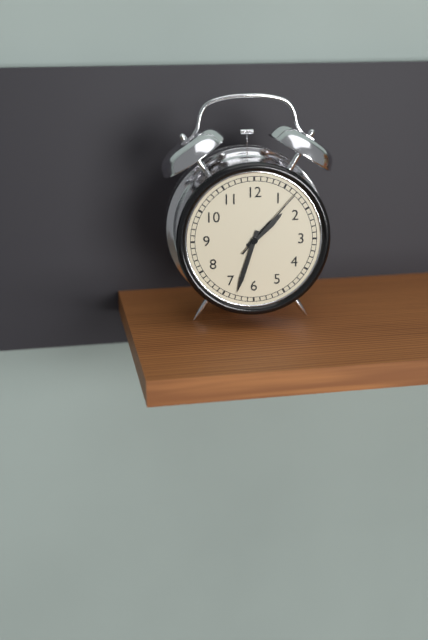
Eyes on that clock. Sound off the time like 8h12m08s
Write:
1h33m07s
